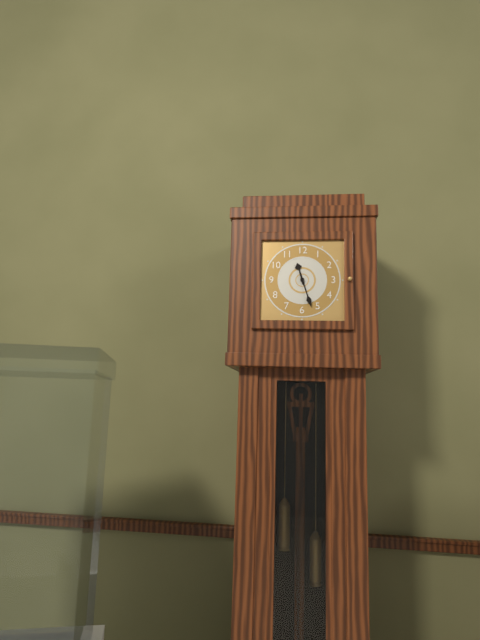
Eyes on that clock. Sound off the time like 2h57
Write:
11h27
